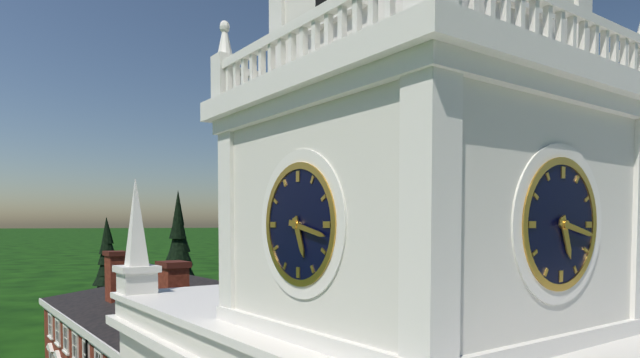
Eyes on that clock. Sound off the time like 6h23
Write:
5h17
